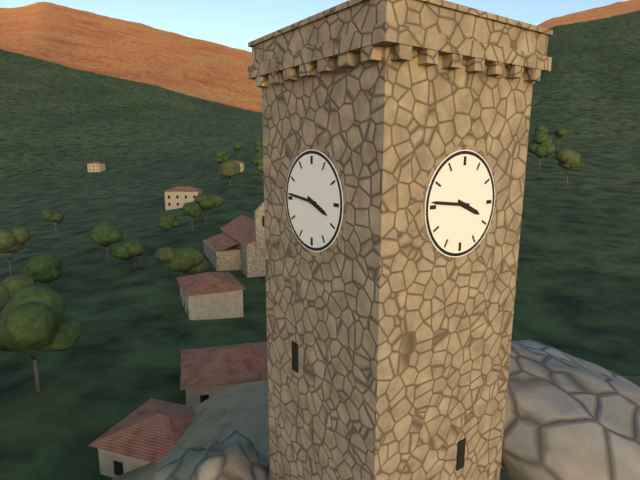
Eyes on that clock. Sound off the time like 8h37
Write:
3h46
